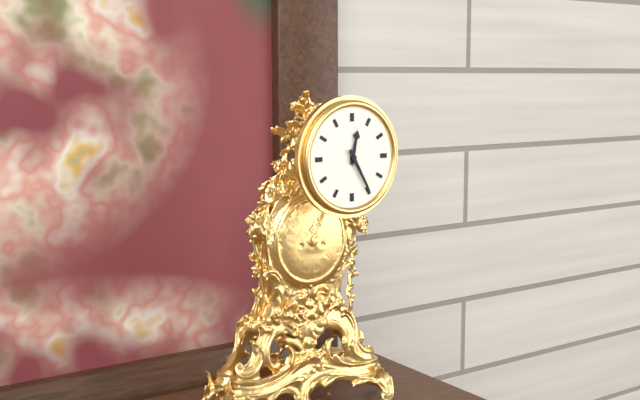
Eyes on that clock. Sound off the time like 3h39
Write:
12h25
